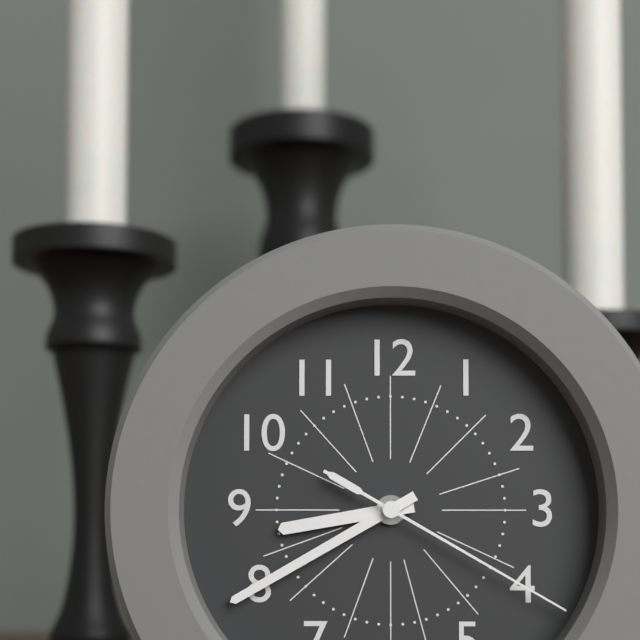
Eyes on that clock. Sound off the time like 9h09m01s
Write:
8h40m20s
